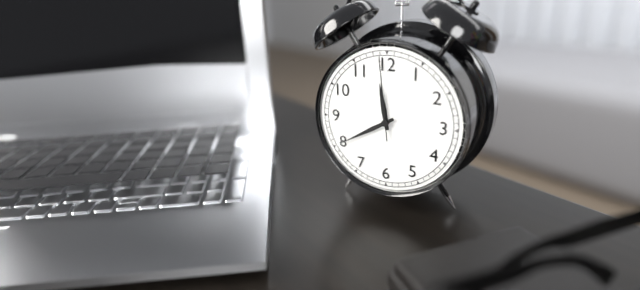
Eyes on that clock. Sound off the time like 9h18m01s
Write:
11h40m59s
